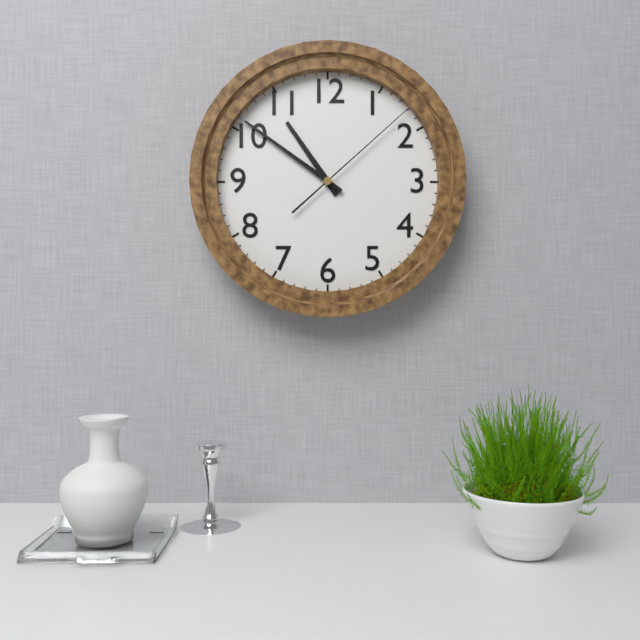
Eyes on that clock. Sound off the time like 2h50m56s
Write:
10h51m08s
